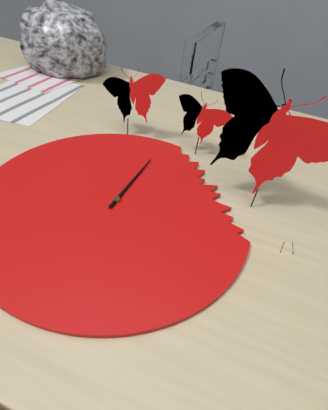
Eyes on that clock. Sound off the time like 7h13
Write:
12h00
